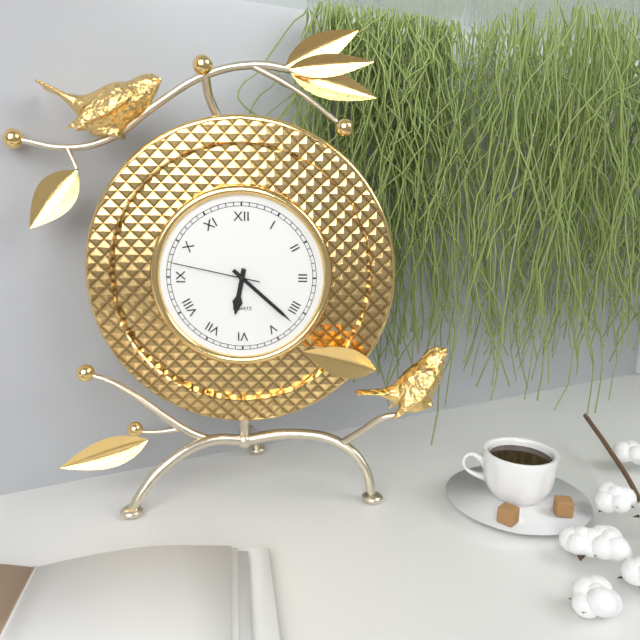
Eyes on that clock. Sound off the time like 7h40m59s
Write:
6h22m47s
